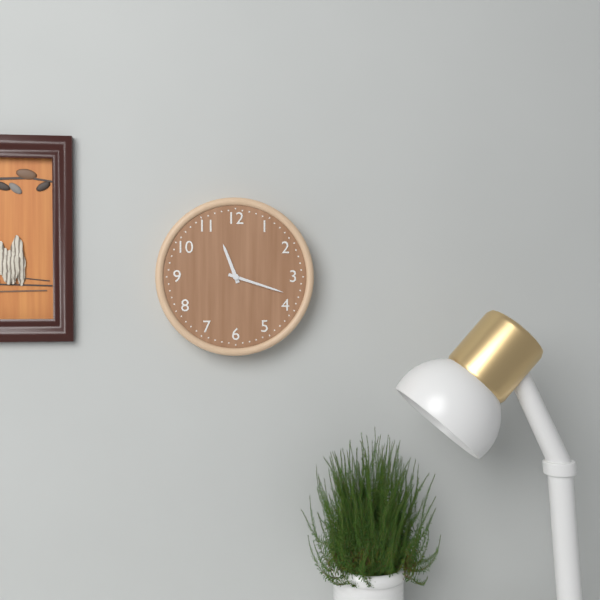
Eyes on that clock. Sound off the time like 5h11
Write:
11h18
